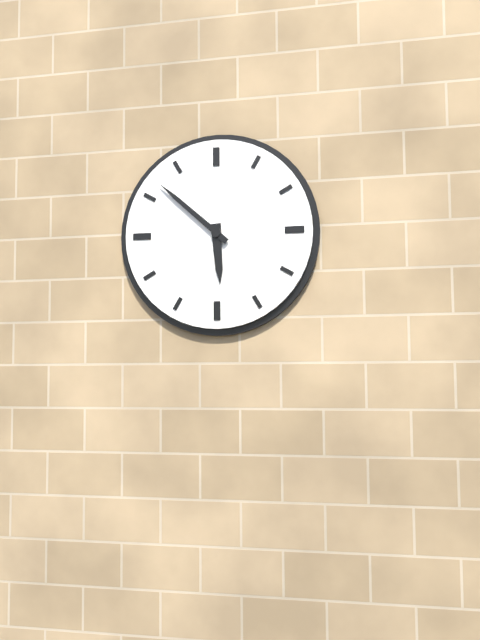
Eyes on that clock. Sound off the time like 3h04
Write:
5h52
